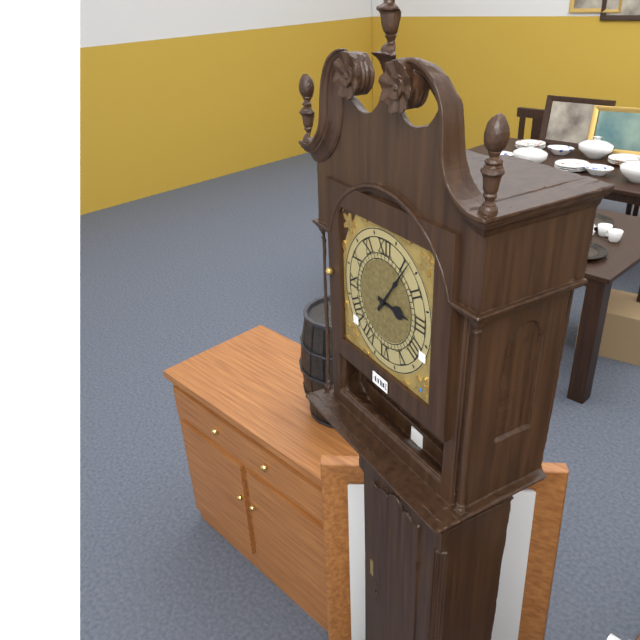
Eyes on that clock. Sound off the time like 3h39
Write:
3h06
